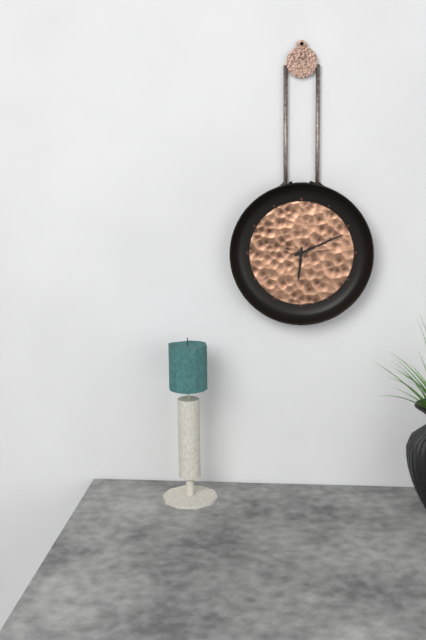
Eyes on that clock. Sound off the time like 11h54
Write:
6h11
